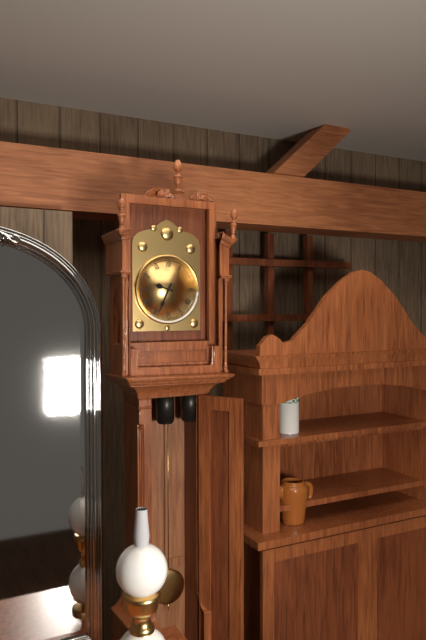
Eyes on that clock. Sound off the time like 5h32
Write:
9h34
